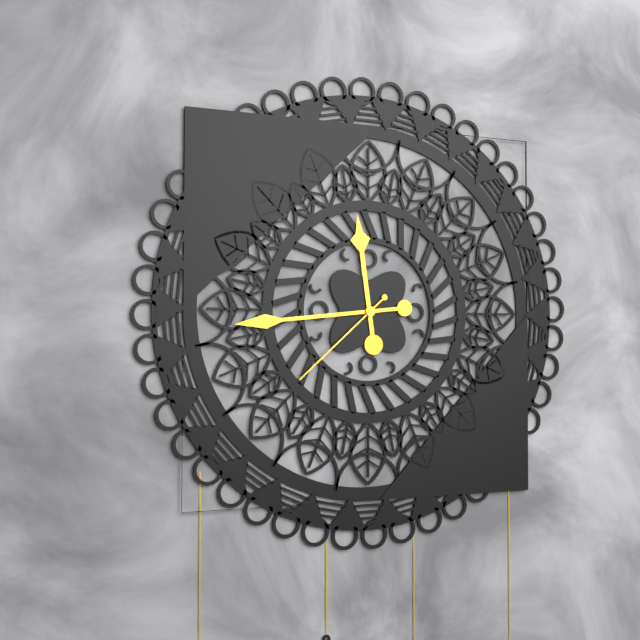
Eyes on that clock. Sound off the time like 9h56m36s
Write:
11h44m38s
